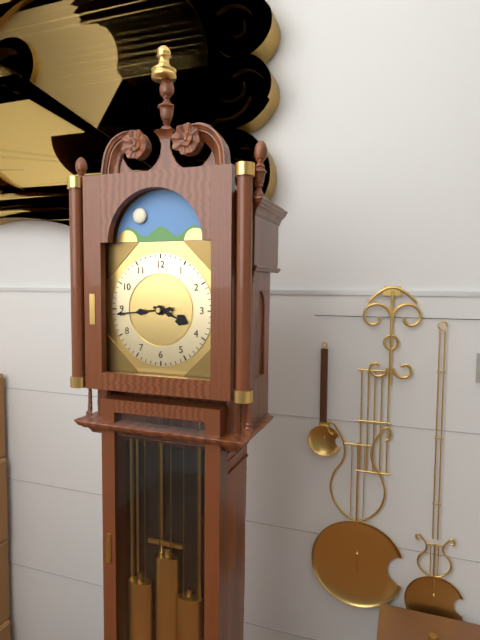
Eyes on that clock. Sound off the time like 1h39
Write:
3h44
